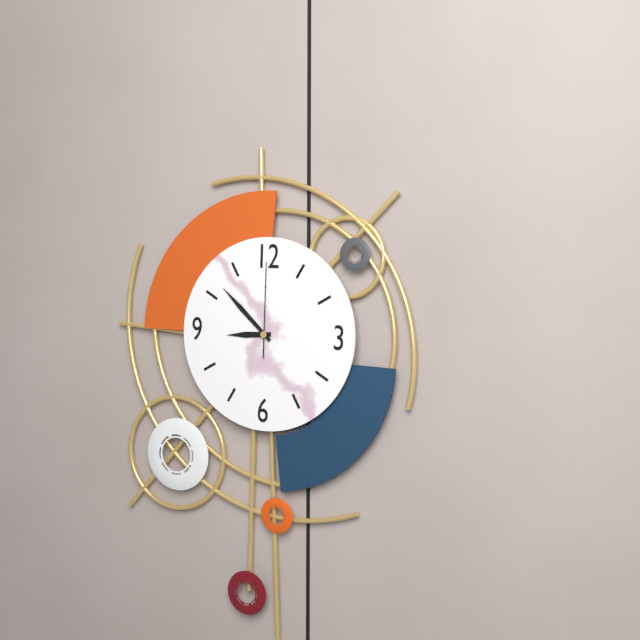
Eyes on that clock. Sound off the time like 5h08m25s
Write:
8h52m00s
